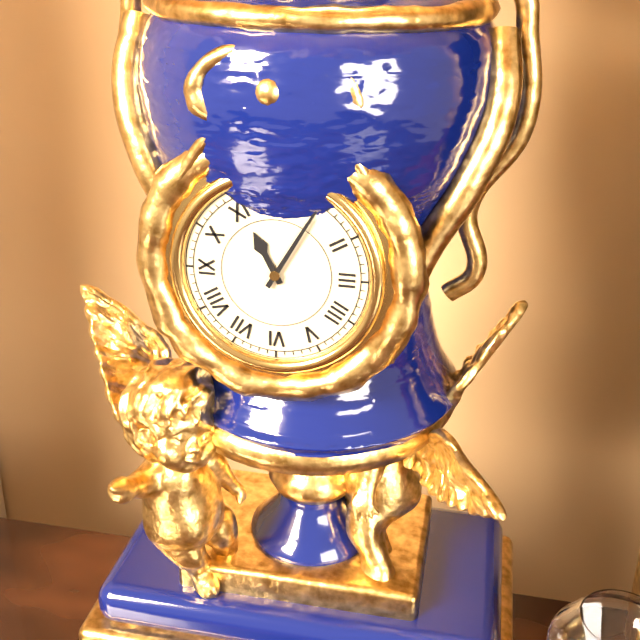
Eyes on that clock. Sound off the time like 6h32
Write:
11h05
